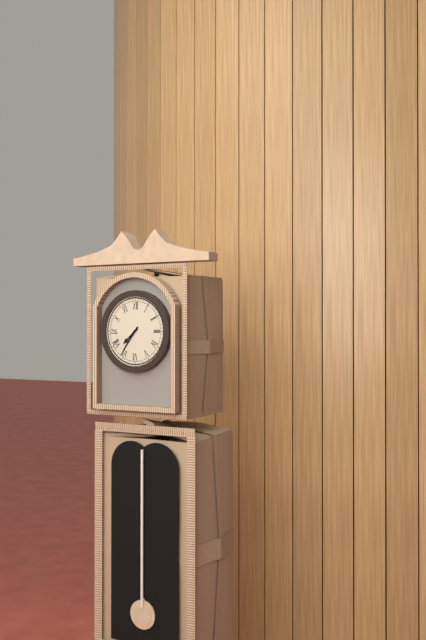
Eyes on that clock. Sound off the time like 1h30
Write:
7h36
